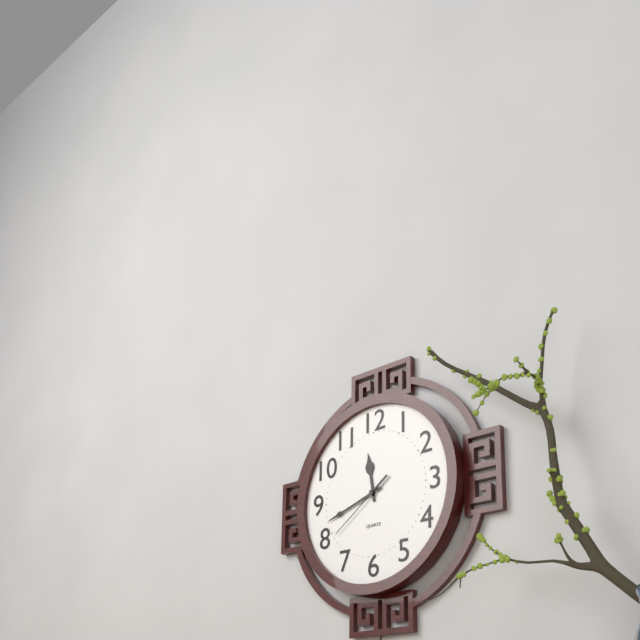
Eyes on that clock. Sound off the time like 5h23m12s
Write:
11h42m39s
